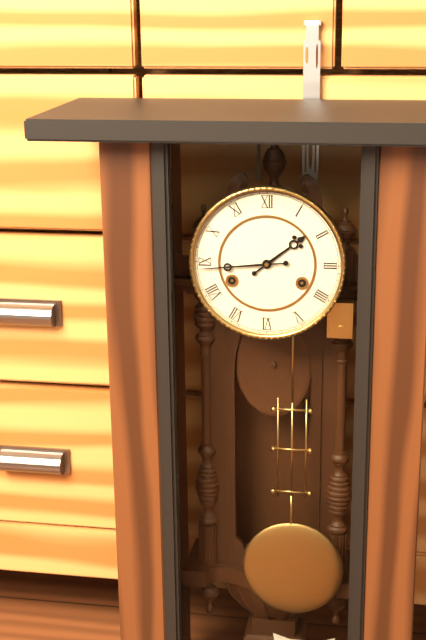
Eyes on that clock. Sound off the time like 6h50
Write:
1h44
